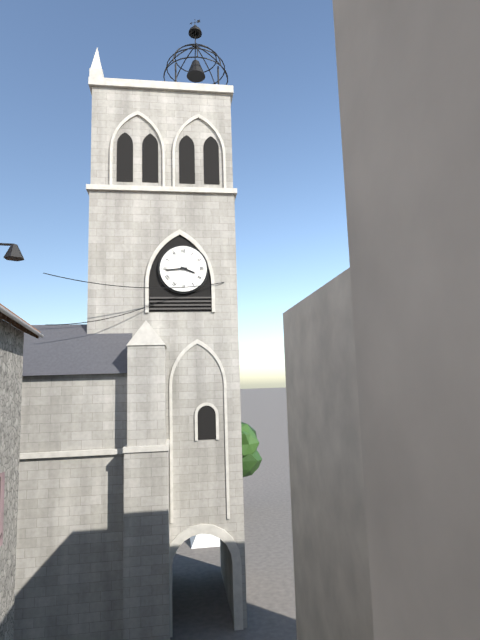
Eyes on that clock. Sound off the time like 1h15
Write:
3h44
